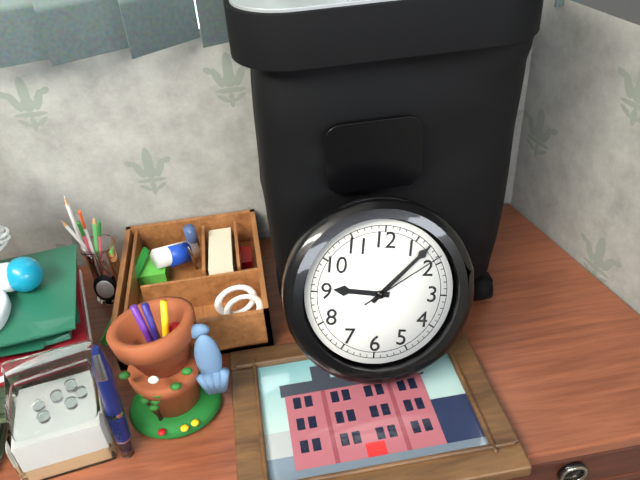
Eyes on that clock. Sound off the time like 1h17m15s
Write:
9h07m09s
